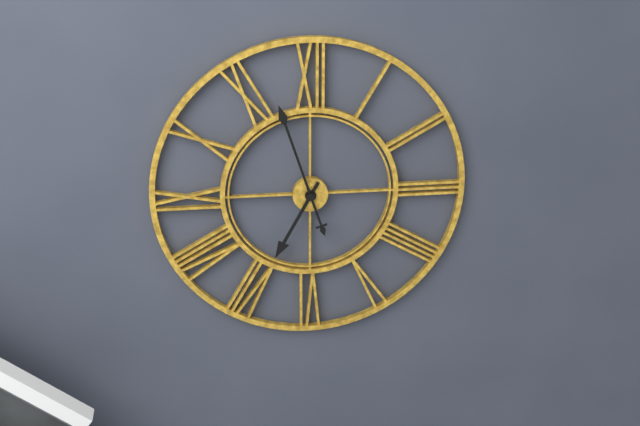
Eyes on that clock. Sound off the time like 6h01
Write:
6h57
